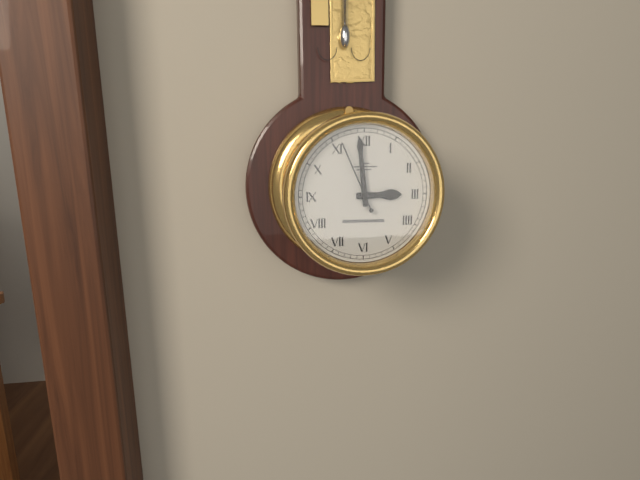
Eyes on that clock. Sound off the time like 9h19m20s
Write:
2h59m56s
